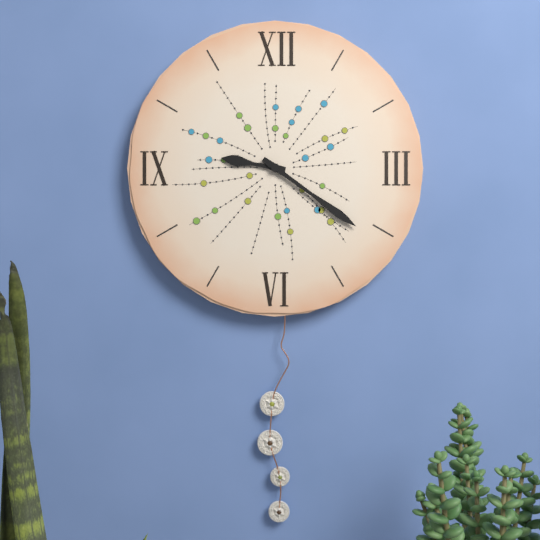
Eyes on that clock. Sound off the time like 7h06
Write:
9h21
